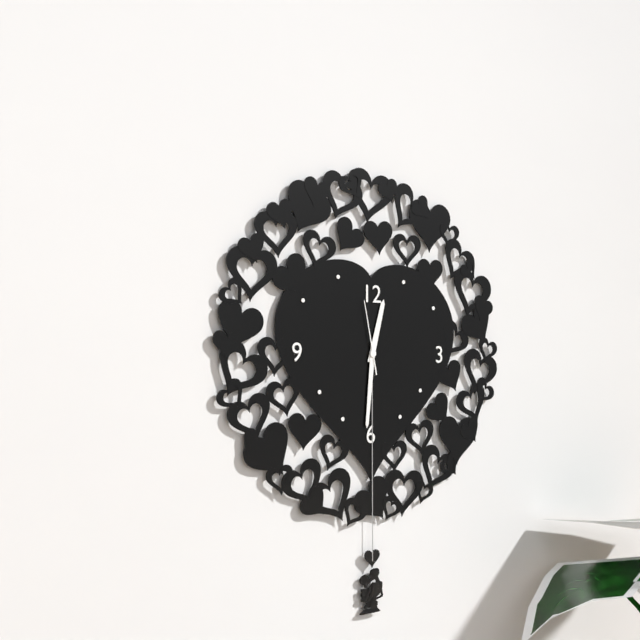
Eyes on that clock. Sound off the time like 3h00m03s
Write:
12h31m58s
